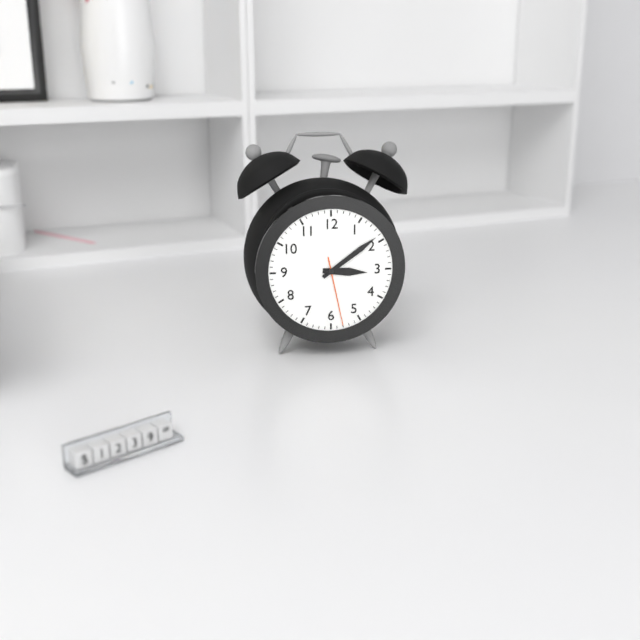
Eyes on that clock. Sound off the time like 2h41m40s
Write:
3h09m28s
